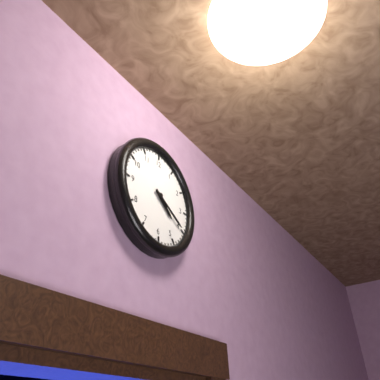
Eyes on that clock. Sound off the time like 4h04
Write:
4h20
